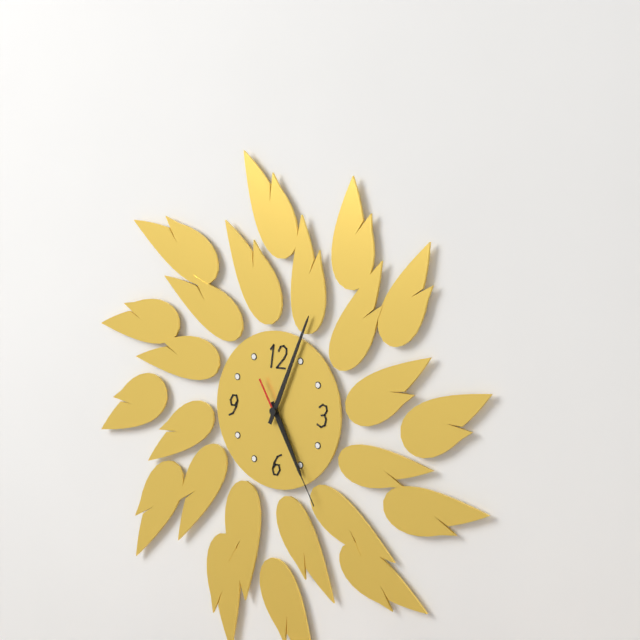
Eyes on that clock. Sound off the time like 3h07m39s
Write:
5h04m25s
